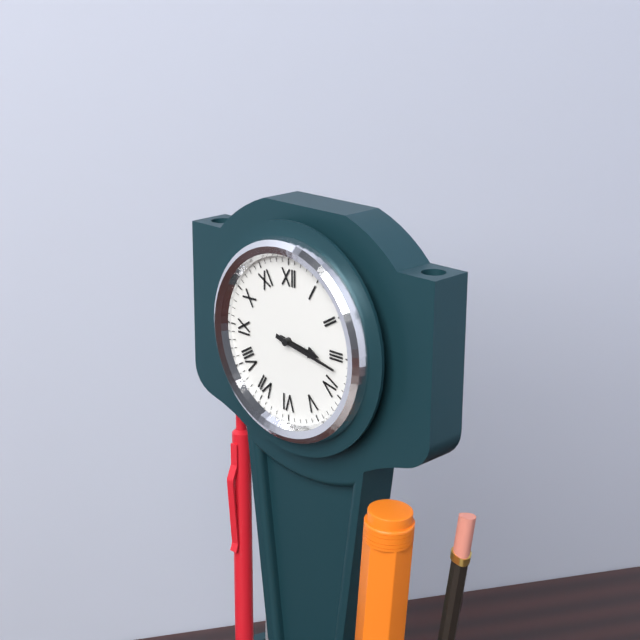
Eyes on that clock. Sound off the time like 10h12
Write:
3h17
